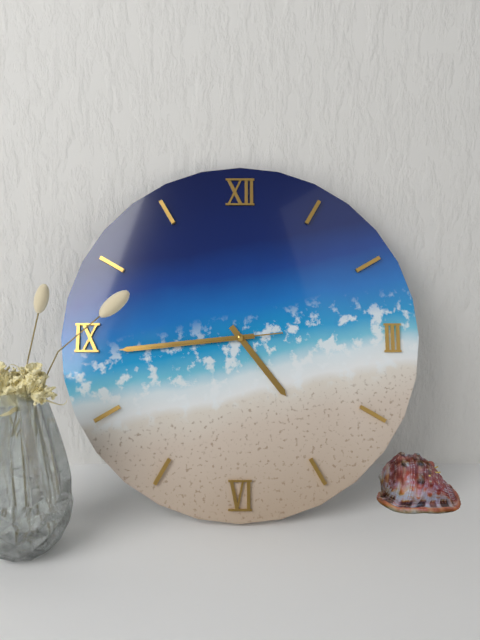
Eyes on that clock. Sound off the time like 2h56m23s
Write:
4h44m44s
